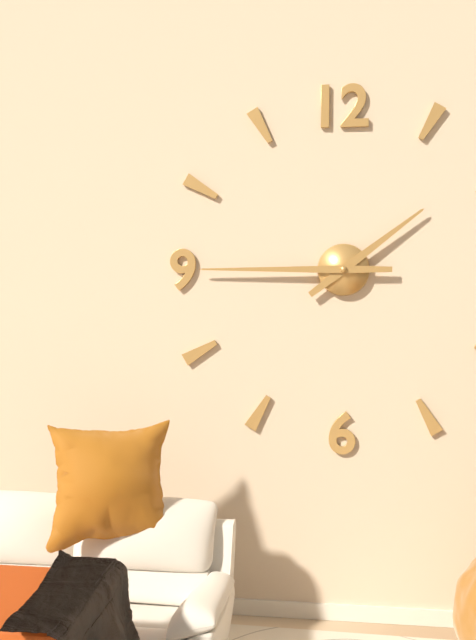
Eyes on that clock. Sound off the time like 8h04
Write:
1h45
